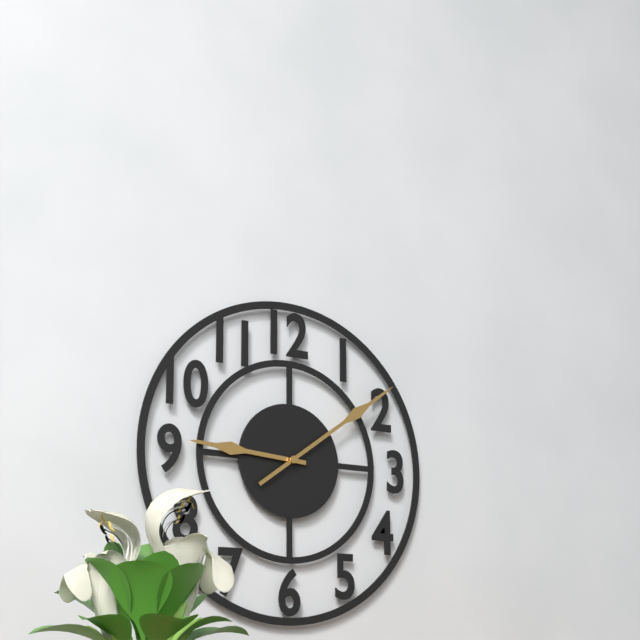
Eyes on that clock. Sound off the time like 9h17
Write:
9h09
